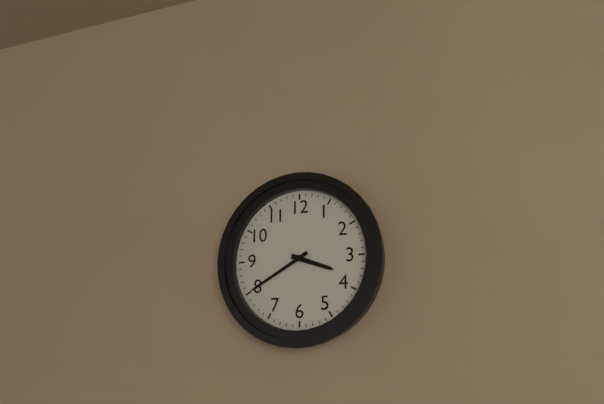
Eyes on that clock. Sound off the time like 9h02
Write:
3h40
